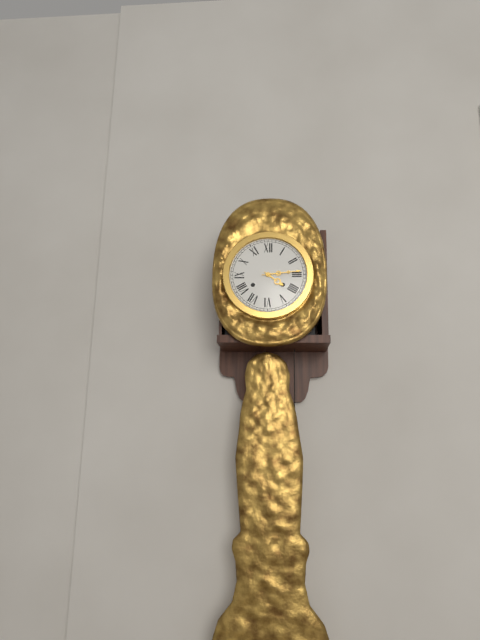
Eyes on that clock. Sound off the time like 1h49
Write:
4h14
